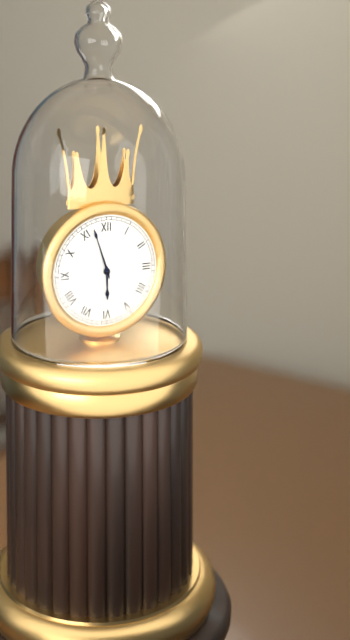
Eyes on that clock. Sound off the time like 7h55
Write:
5h57
